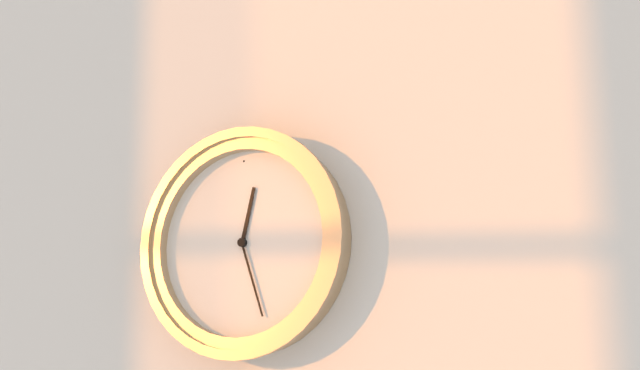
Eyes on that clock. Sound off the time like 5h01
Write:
12h27
